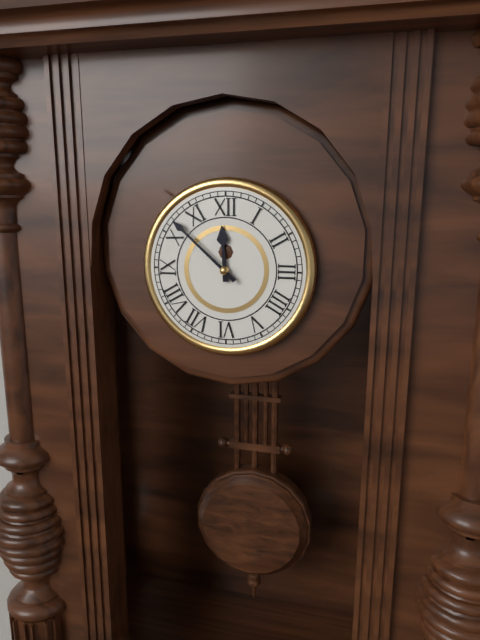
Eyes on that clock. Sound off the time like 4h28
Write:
11h52
